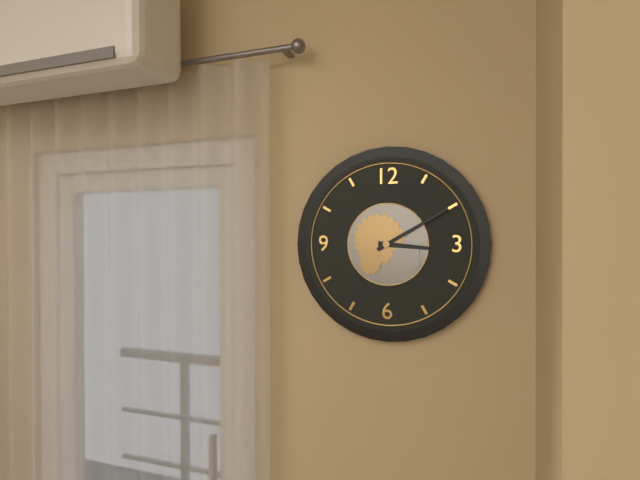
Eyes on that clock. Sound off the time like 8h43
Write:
3h10
